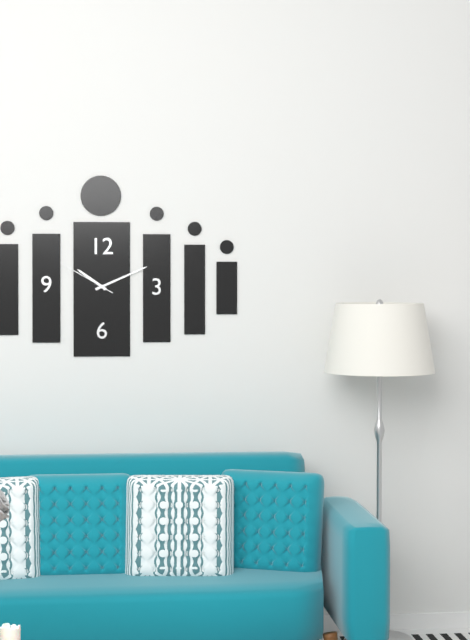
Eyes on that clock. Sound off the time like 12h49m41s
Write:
10h11m50s
